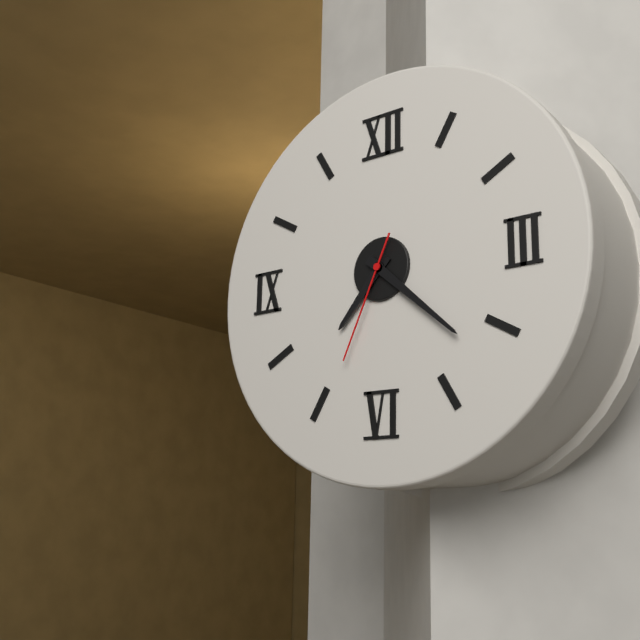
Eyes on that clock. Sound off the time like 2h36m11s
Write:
7h22m34s
